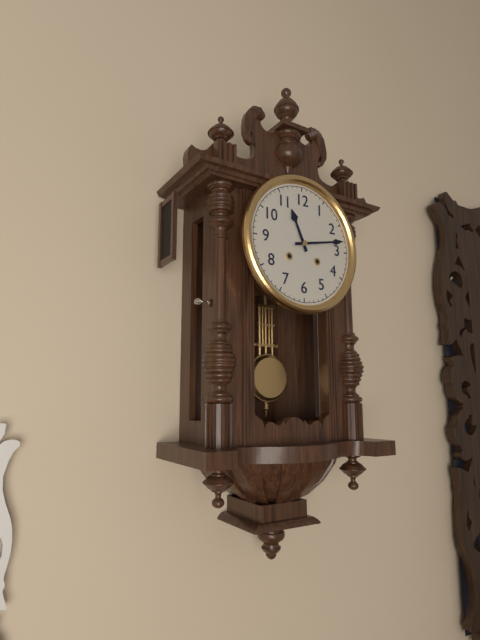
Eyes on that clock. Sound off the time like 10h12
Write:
11h13
